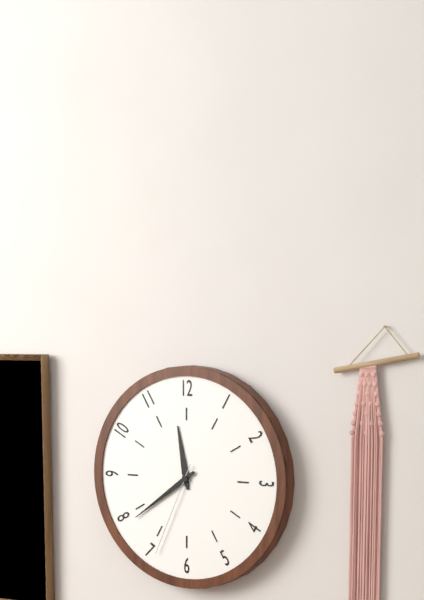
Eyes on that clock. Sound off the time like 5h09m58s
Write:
11h39m34s
